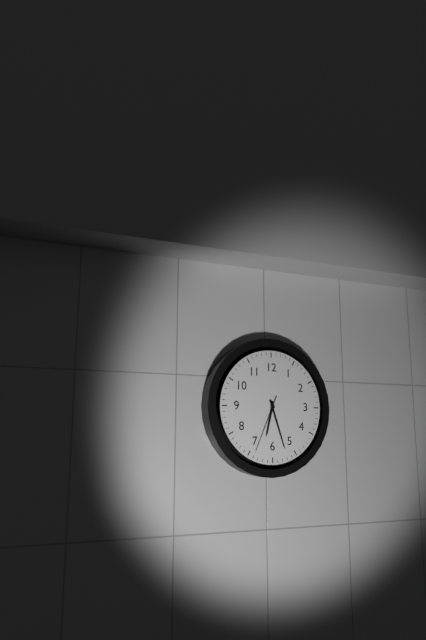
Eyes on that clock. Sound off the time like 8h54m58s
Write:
6h27m34s
